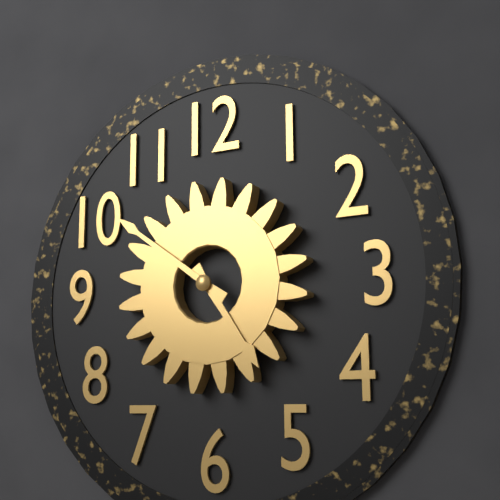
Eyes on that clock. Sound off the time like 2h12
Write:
4h51
